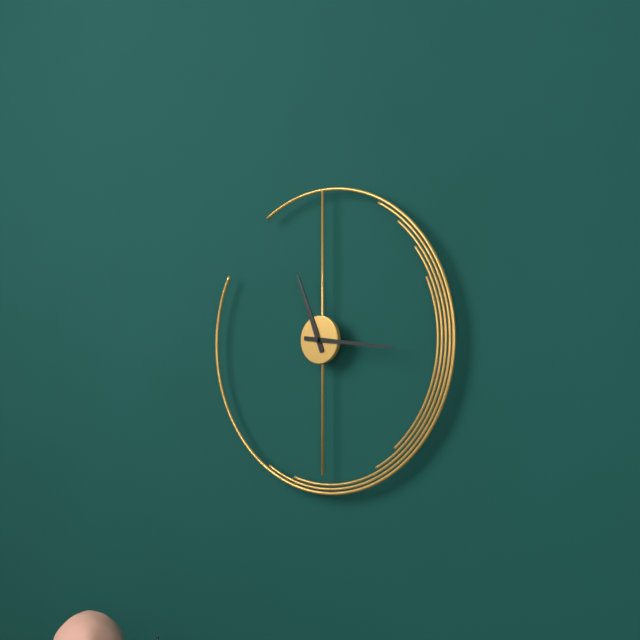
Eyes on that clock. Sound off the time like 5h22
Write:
11h16
